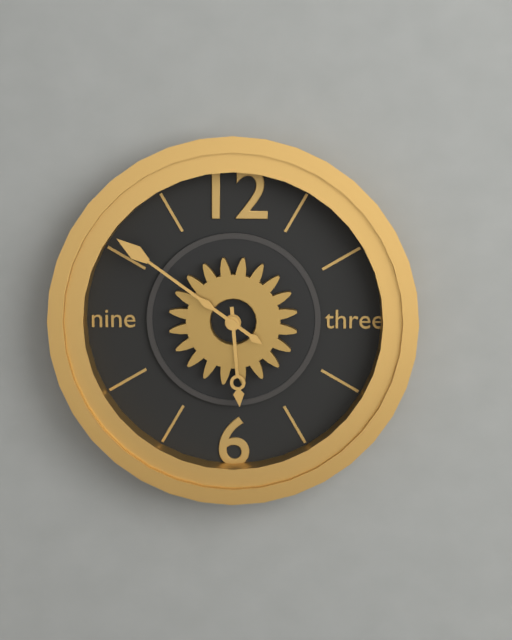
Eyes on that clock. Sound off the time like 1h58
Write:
5h51
